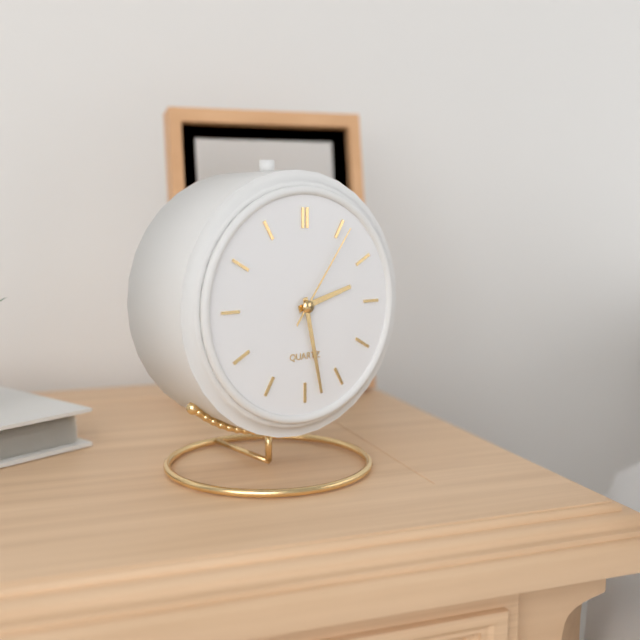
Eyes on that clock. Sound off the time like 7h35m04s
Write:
2h28m06s
